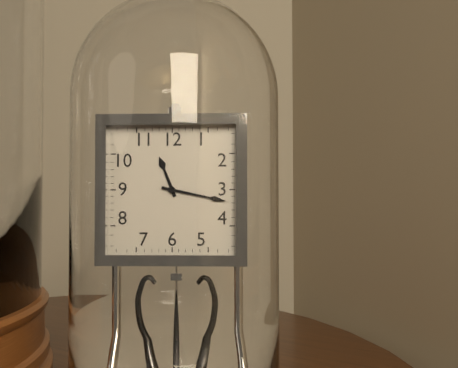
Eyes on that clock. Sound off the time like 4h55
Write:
11h17
